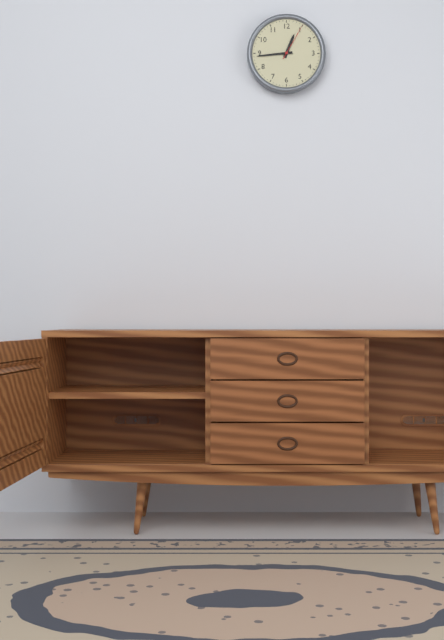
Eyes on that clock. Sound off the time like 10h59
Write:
12h44
